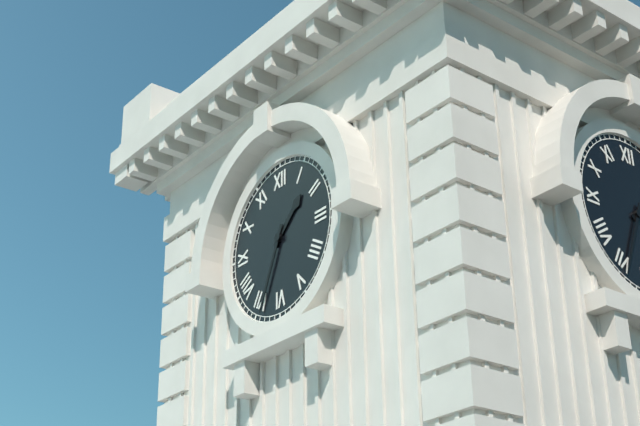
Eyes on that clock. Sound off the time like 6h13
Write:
1h34
